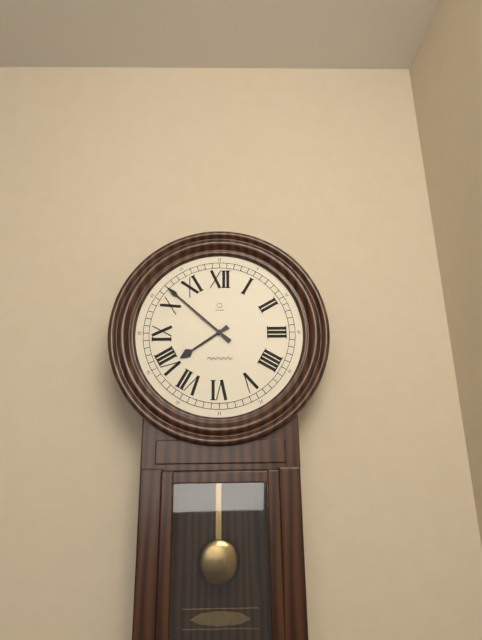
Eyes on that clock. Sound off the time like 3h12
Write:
7h52
